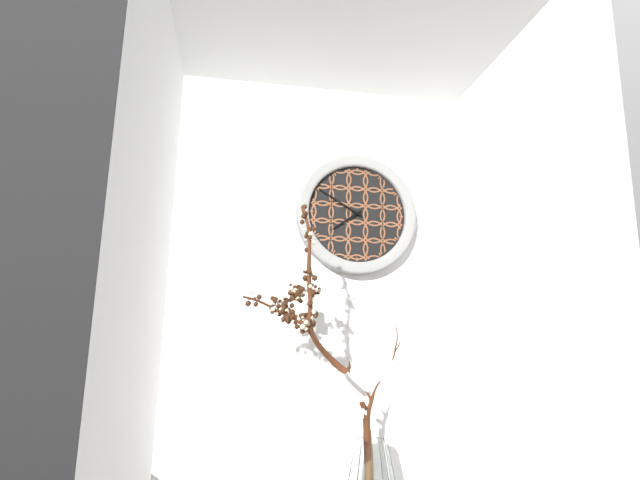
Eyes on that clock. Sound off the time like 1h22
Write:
7h50
